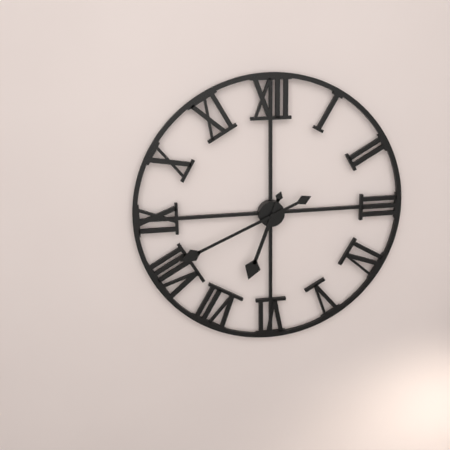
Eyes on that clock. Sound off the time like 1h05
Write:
6h41
